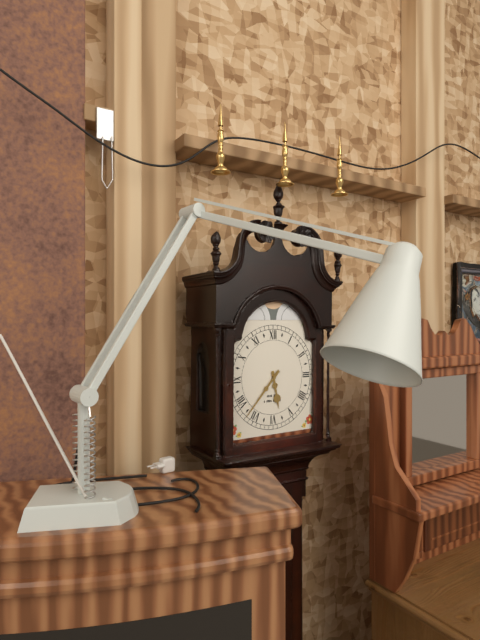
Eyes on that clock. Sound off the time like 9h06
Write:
5h37
